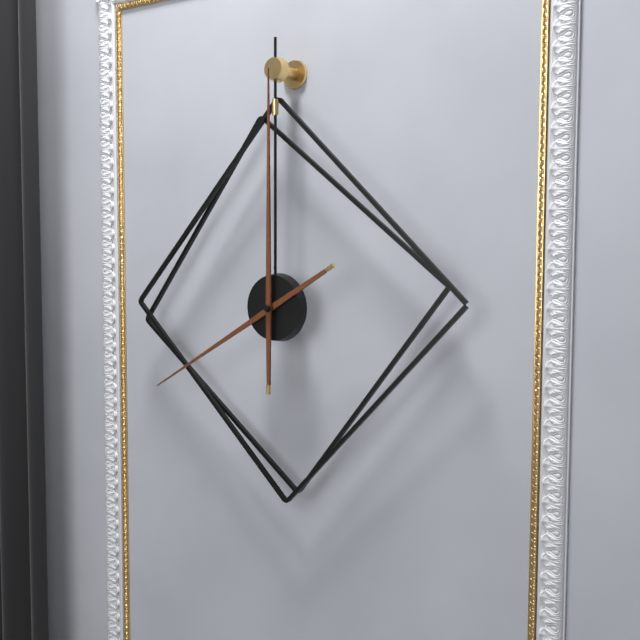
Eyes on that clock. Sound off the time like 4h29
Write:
8h00
